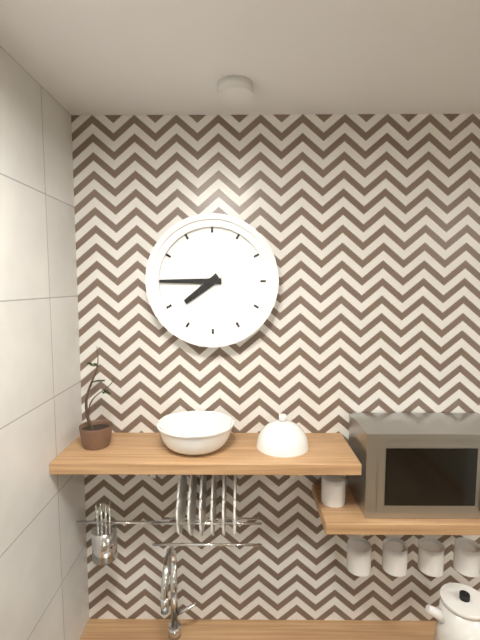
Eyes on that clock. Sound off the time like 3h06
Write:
7h45
